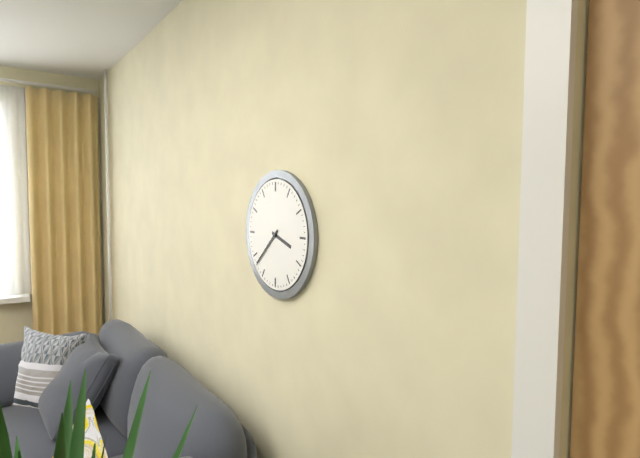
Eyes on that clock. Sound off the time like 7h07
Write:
3h38
